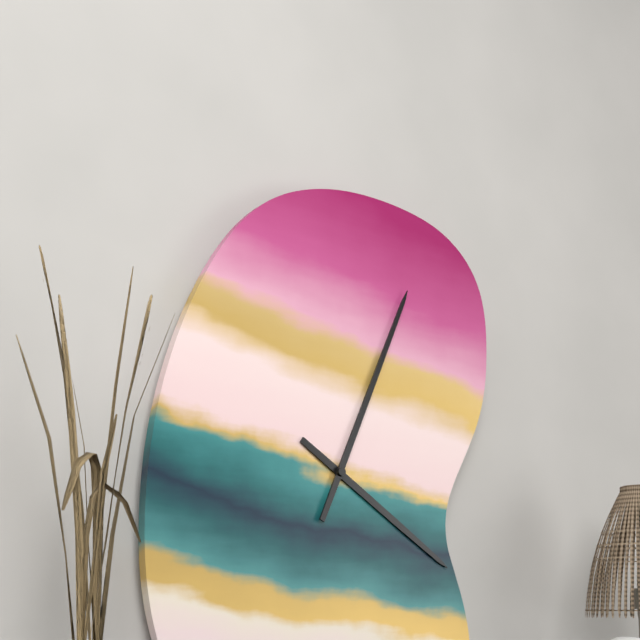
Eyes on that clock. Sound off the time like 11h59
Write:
4h04
